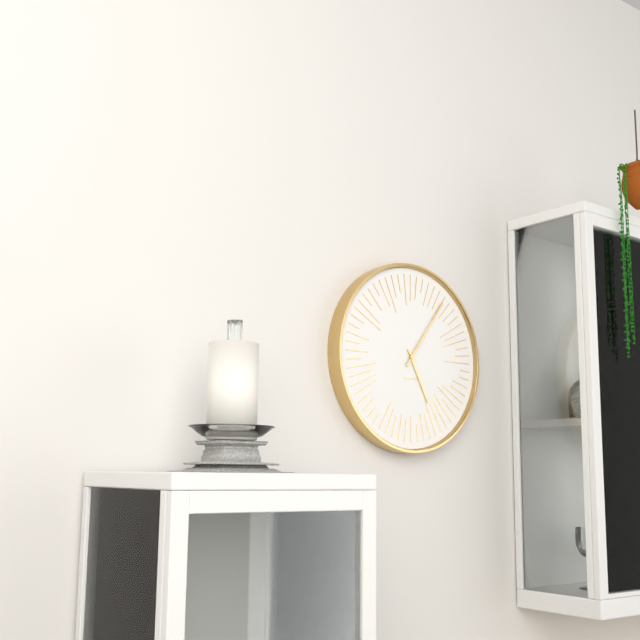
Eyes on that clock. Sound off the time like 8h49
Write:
5h06
